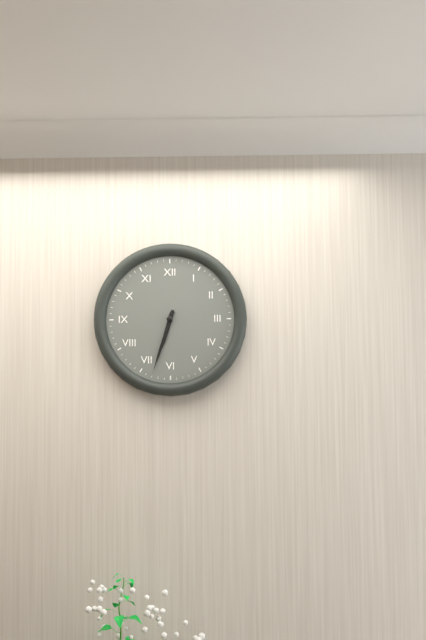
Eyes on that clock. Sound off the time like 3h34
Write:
6h33
